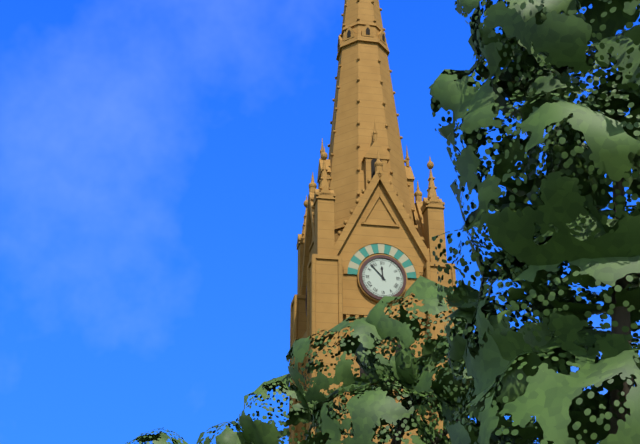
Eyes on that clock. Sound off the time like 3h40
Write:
11h53
